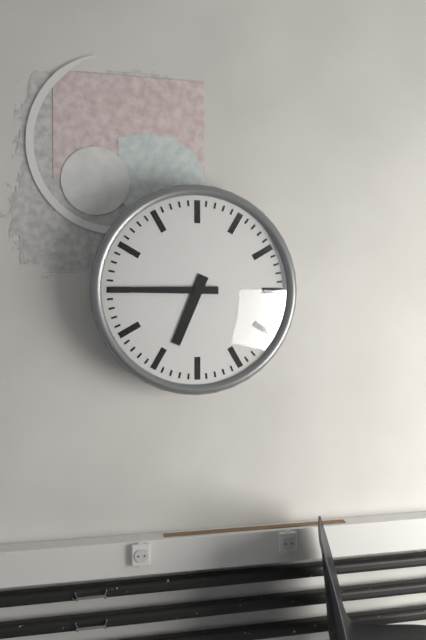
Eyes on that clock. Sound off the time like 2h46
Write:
6h45
